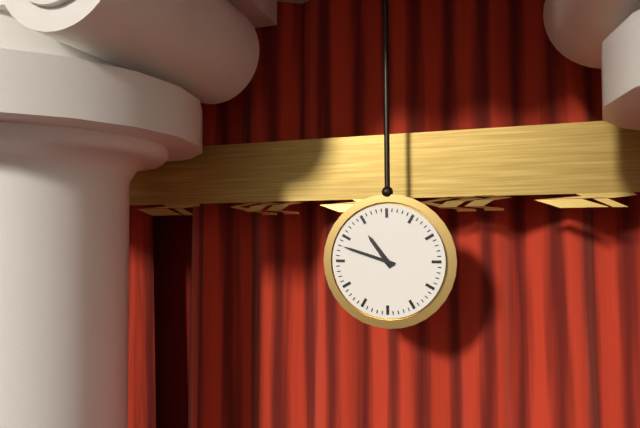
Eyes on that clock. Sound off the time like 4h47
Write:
10h48
